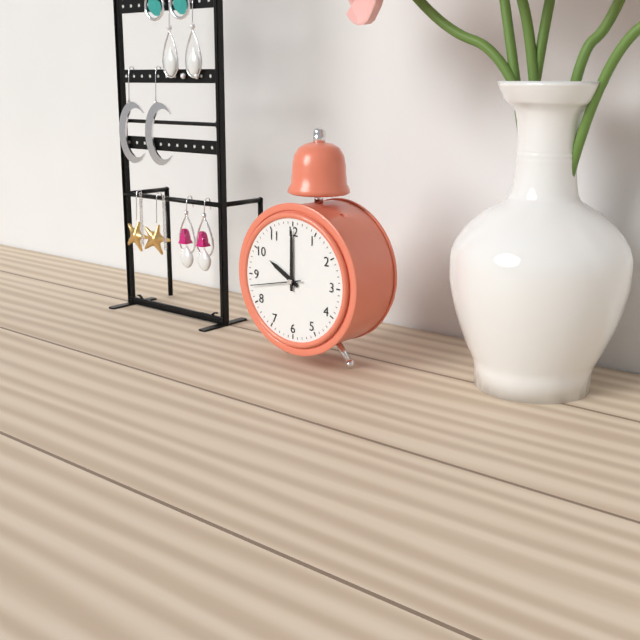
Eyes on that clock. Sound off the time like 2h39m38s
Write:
10h00m43s
